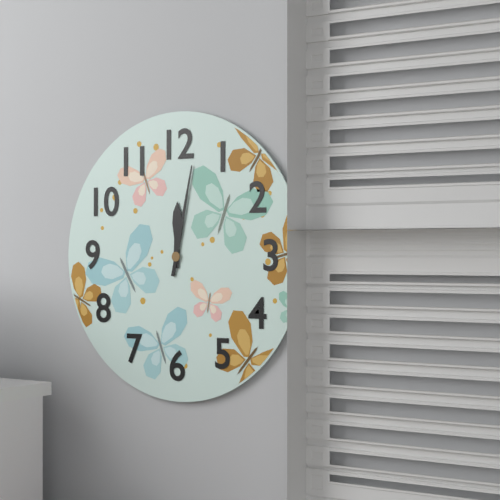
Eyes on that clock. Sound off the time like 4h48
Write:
12h02
